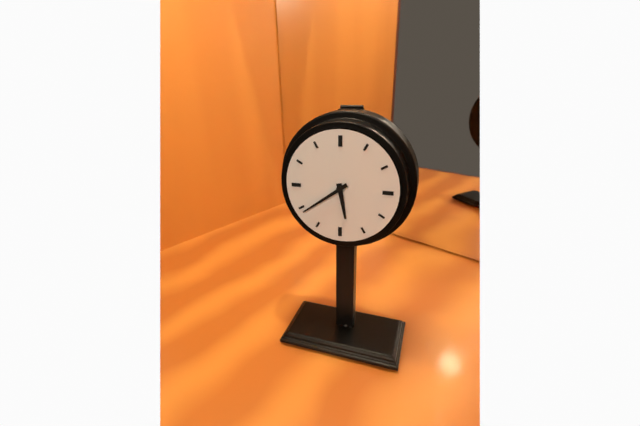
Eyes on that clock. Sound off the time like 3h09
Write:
5h39
